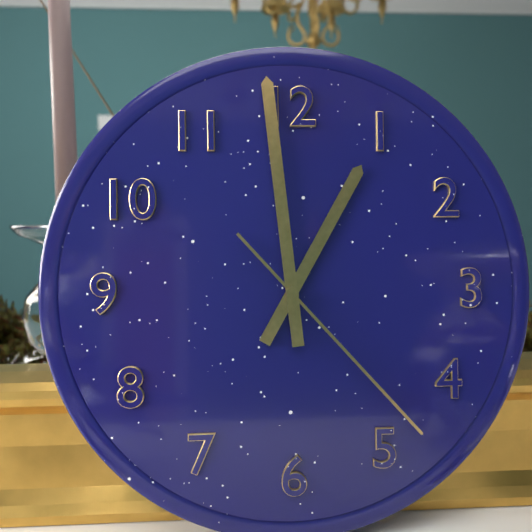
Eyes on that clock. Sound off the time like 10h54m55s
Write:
12h59m23s
